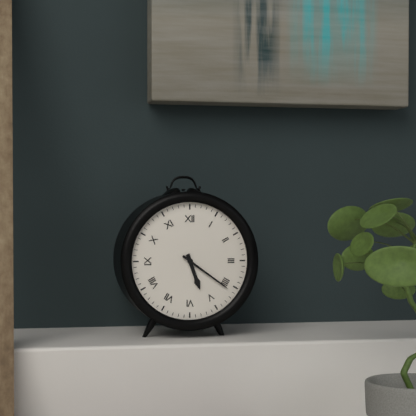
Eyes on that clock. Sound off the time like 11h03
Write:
5h21
